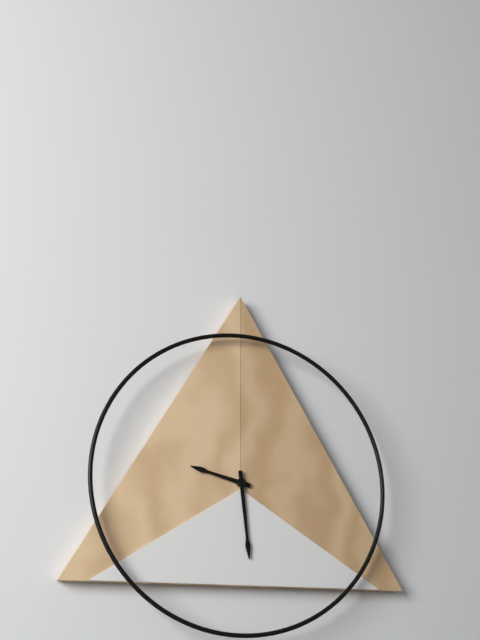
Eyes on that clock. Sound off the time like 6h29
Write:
9h29
